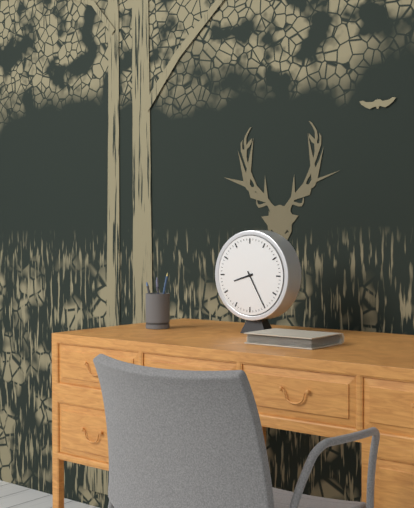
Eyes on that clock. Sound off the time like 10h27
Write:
8h25
